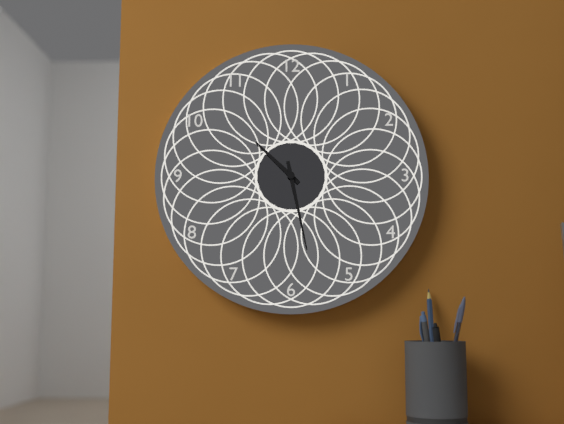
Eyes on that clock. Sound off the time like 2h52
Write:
10h28
